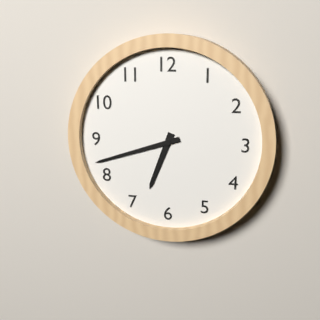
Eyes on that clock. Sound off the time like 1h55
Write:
6h42
